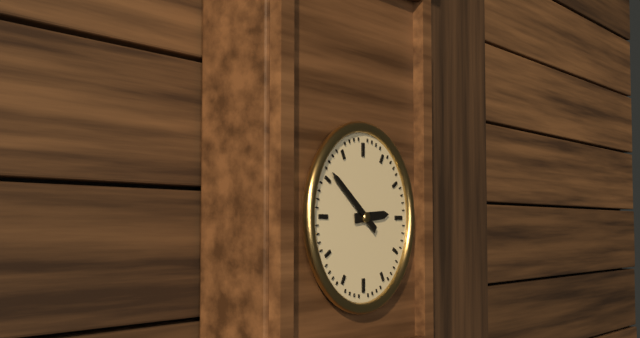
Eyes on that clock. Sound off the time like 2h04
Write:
2h51
